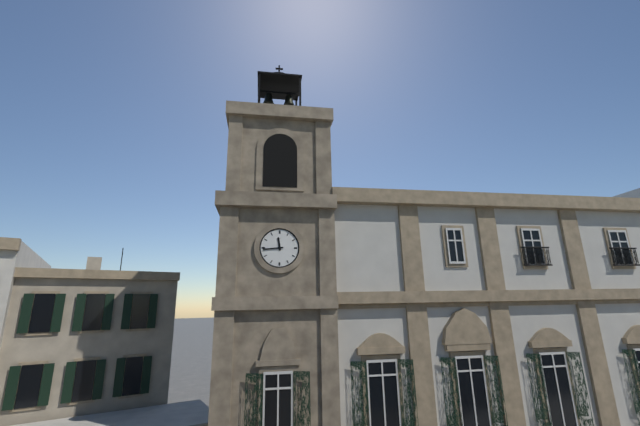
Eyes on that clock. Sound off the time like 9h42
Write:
11h44
